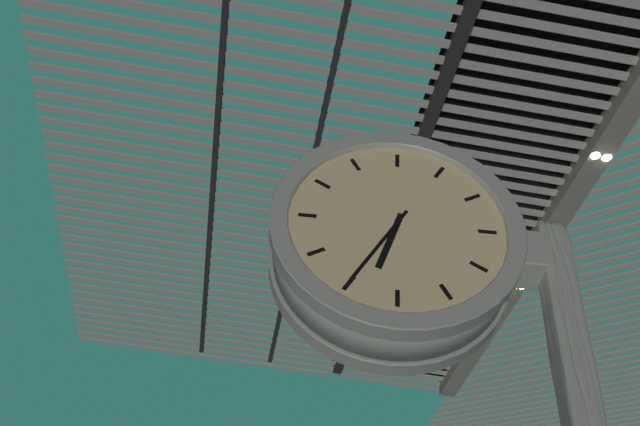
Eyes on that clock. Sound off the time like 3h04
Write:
6h35
